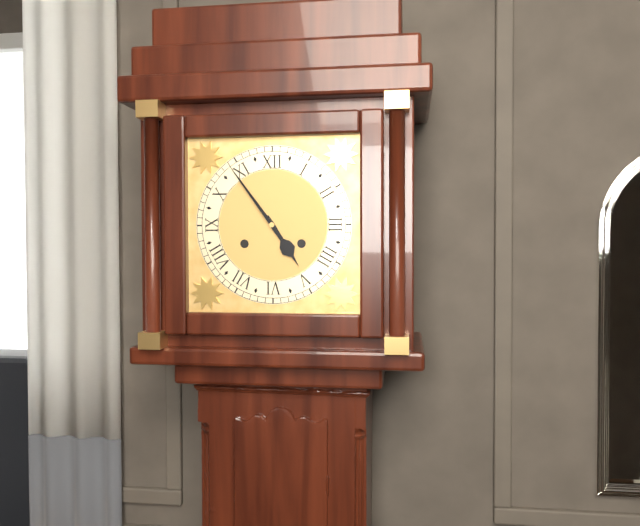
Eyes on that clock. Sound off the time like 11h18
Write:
4h54
